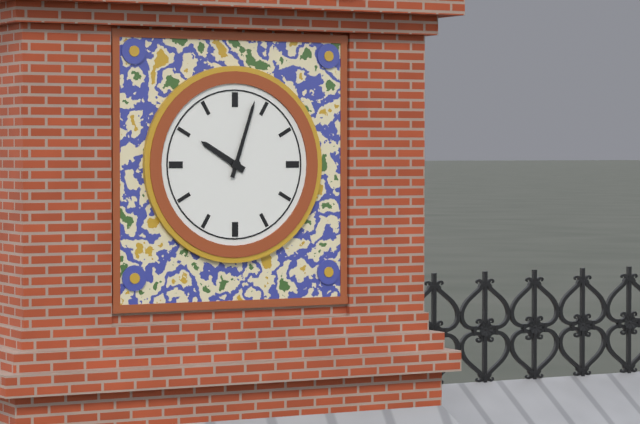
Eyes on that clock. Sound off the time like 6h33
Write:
10h03
